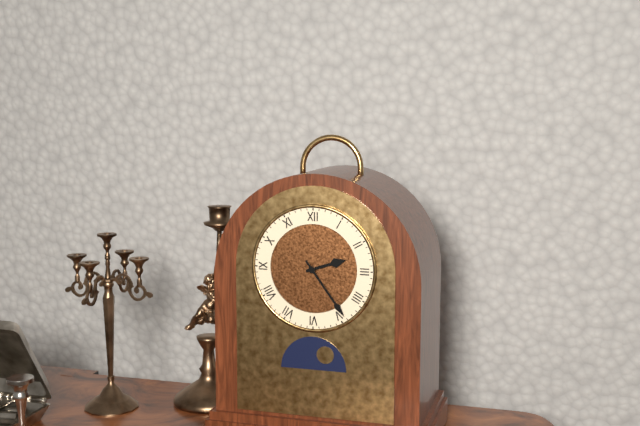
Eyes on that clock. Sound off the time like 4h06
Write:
2h24
